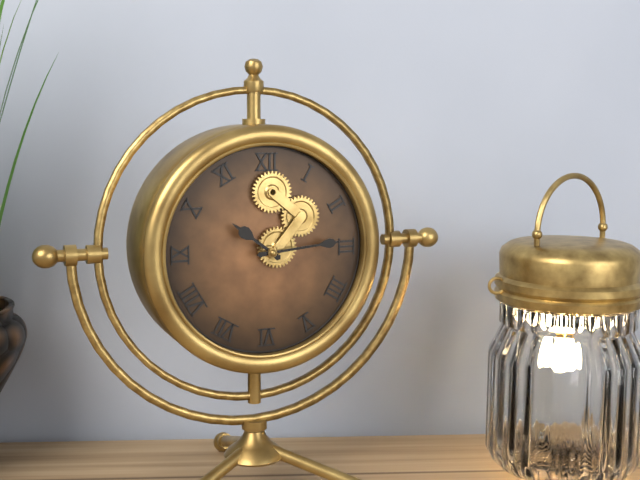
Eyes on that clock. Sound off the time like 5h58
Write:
10h14
